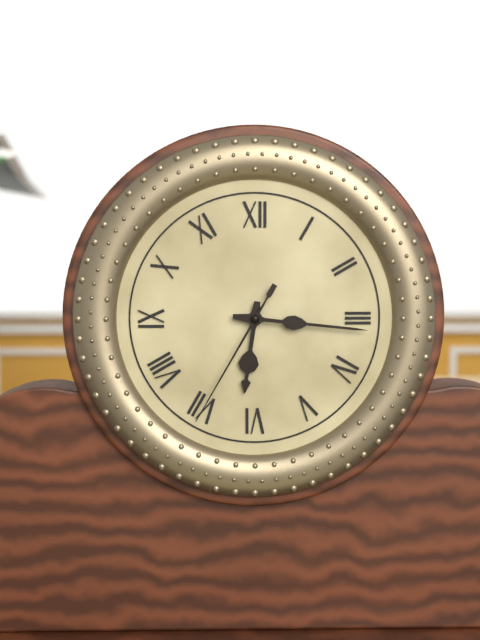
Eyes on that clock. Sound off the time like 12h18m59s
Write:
6h16m35s
